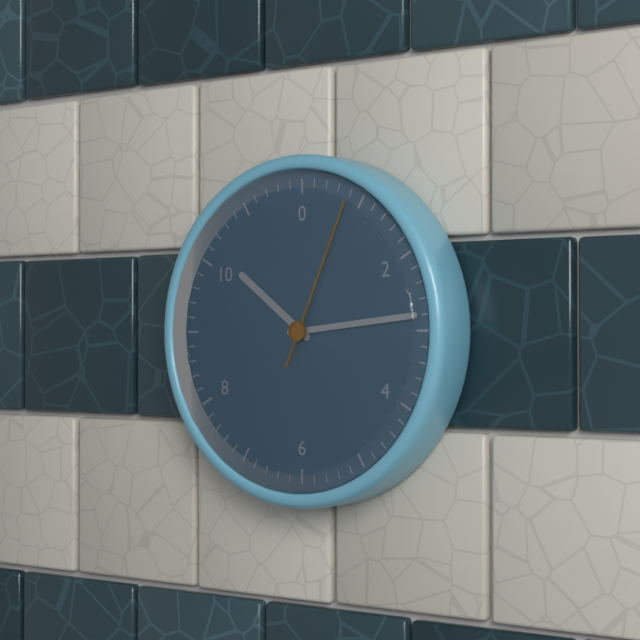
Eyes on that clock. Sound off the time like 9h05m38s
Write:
10h14m04s
